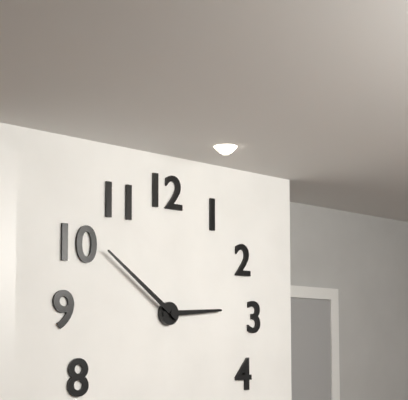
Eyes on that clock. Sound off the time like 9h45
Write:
2h51
